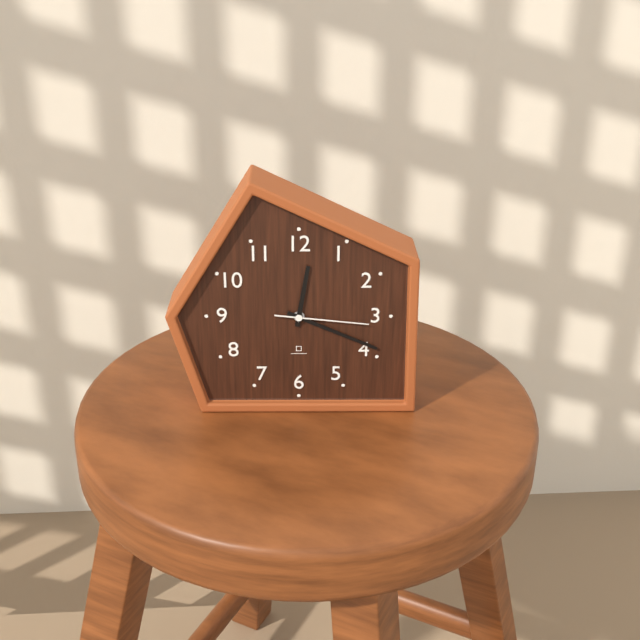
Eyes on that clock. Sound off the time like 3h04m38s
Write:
12h19m16s
